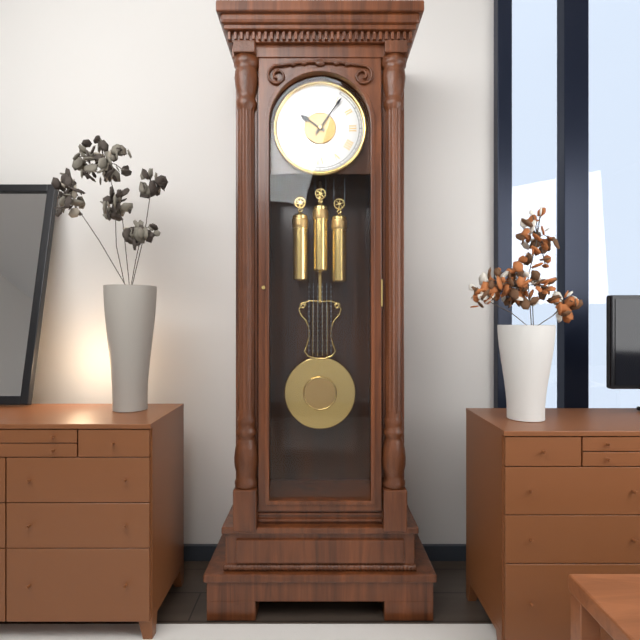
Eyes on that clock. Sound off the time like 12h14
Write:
10h06
